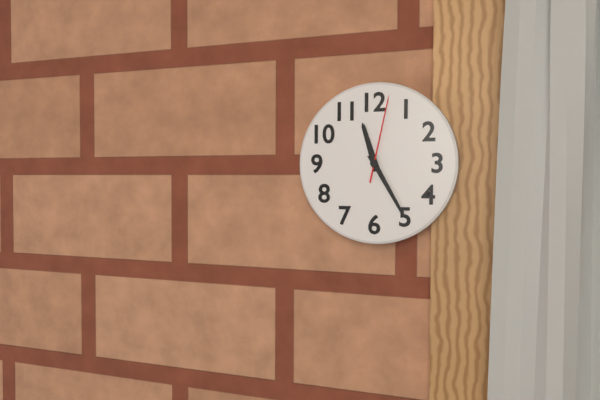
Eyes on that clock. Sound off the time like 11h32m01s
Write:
11h25m02s
